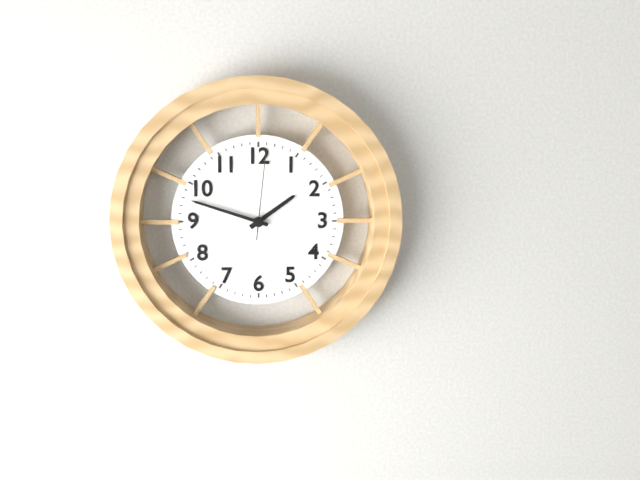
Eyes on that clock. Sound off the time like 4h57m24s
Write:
1h48m01s
